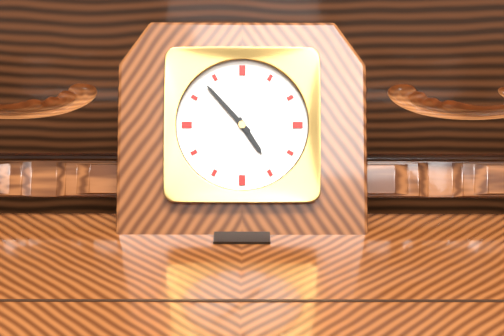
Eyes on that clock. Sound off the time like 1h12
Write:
4h53
